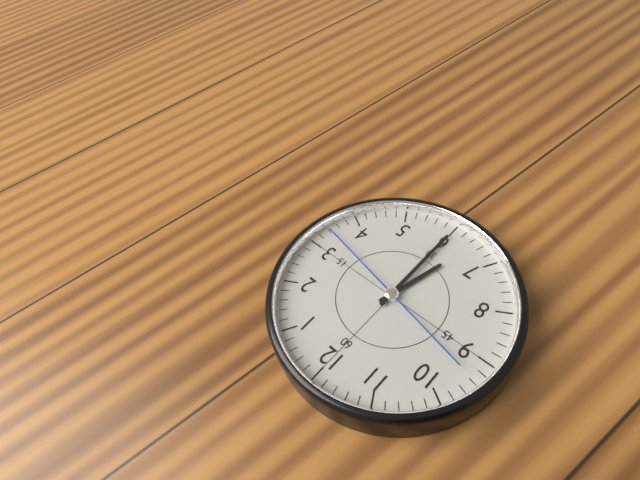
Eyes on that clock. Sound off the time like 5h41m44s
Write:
6h30m17s
